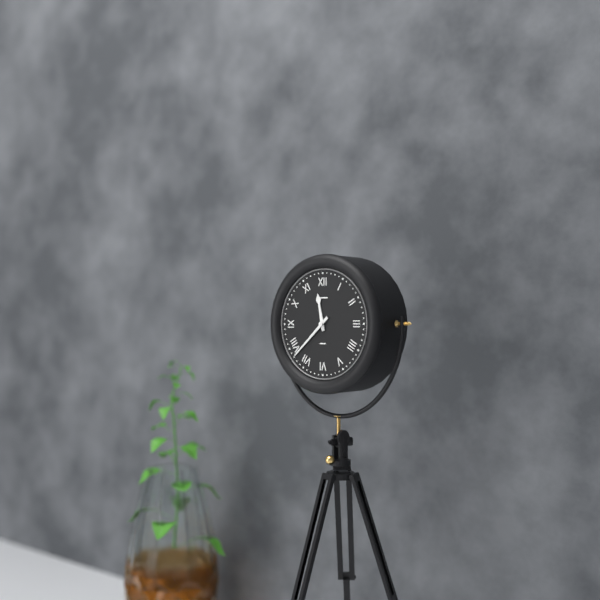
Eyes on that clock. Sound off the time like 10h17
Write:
11h38
